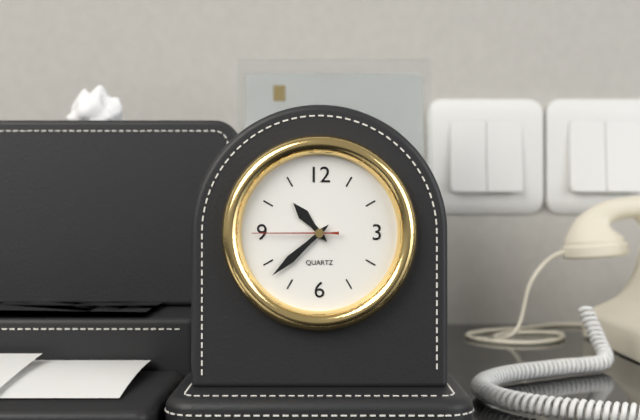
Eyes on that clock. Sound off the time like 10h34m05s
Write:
10h38m45s
